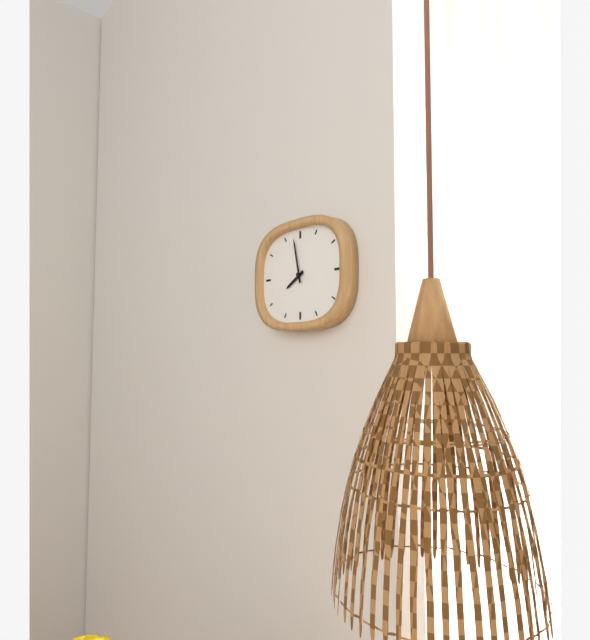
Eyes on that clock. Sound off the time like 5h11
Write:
7h58
